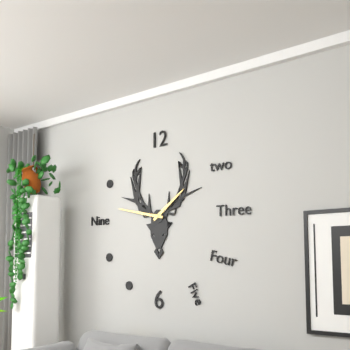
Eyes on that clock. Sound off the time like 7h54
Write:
1h47
